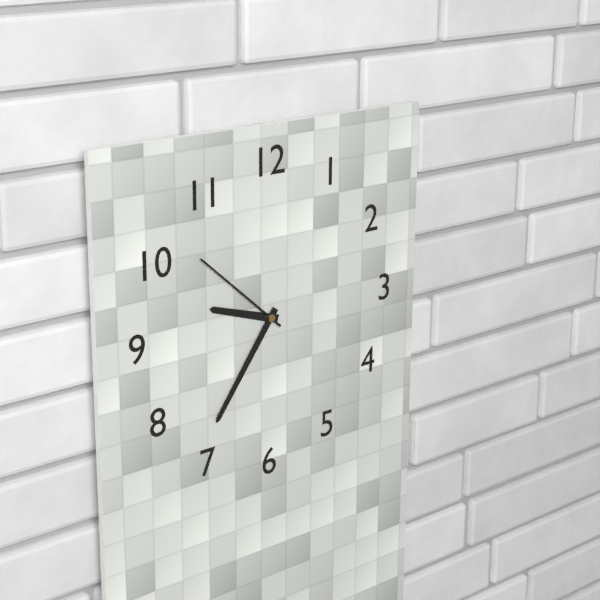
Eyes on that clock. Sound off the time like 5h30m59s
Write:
9h36m52s
